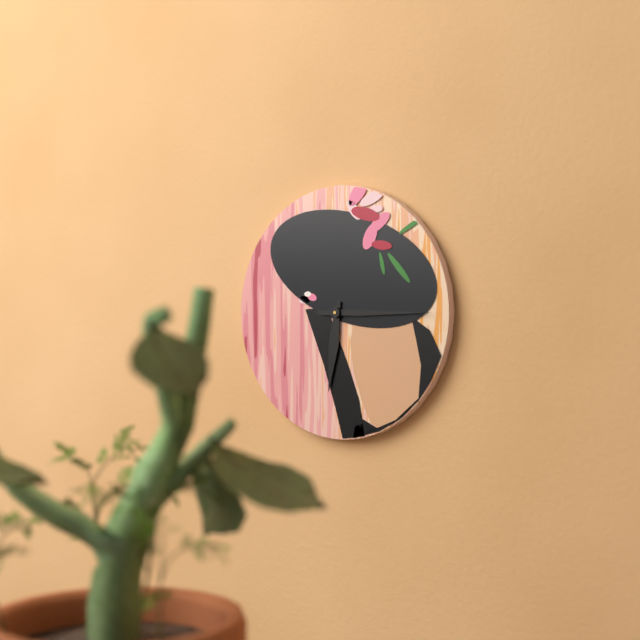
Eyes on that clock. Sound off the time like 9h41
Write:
6h15
